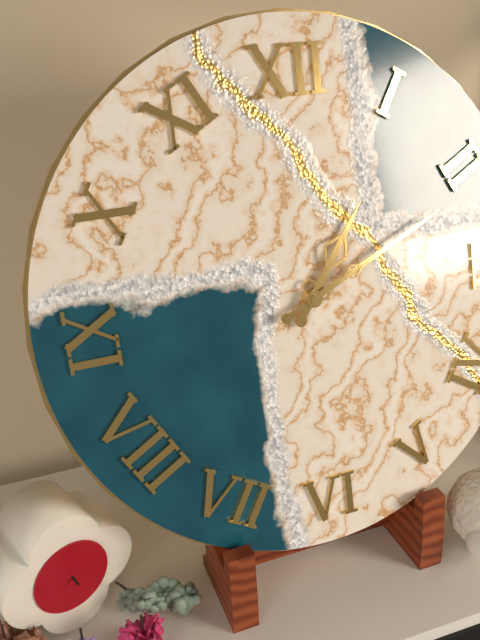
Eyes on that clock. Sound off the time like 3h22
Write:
1h11
